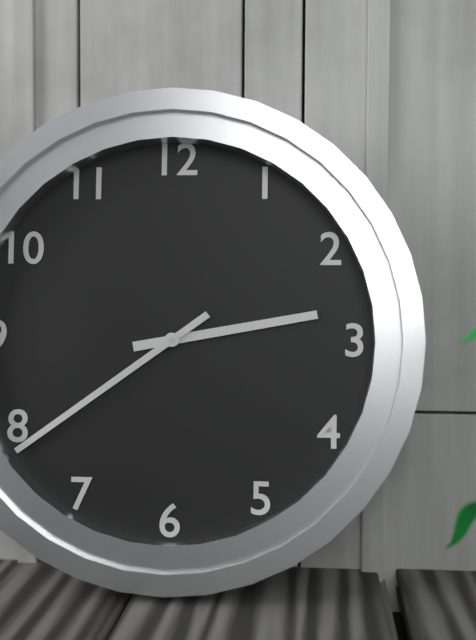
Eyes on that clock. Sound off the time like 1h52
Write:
2h39
